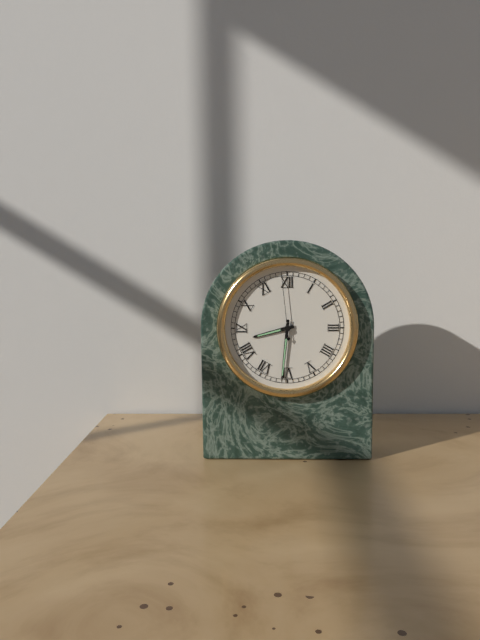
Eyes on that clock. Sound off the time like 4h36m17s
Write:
8h31m59s
